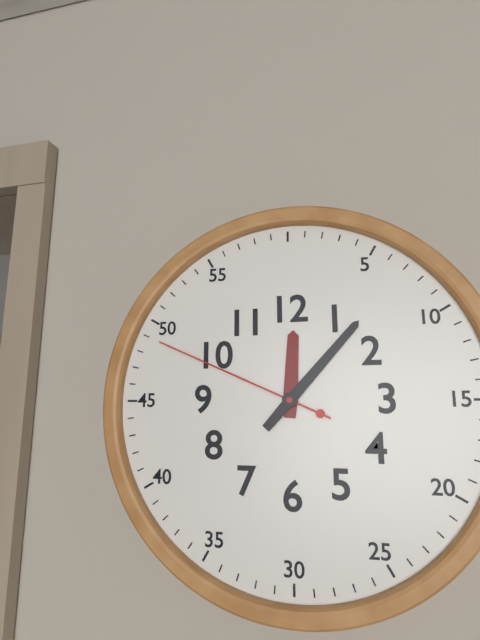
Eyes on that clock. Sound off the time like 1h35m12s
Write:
12h07m49s
